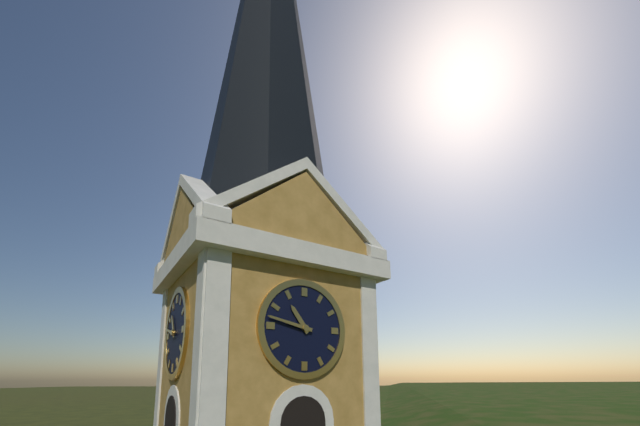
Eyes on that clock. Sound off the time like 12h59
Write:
10h47
